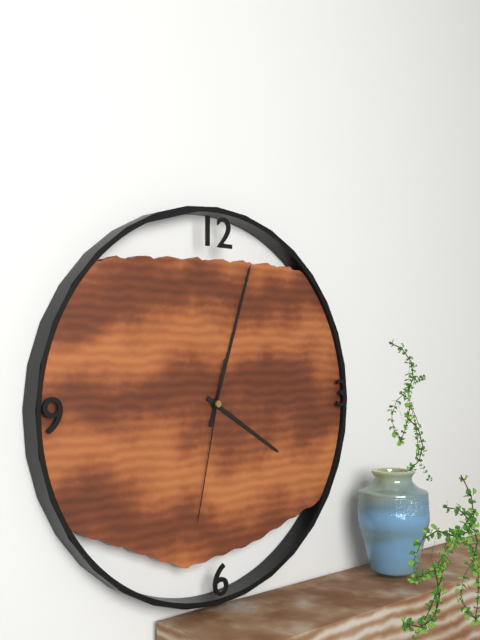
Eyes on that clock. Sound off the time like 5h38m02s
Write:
4h03m32s
